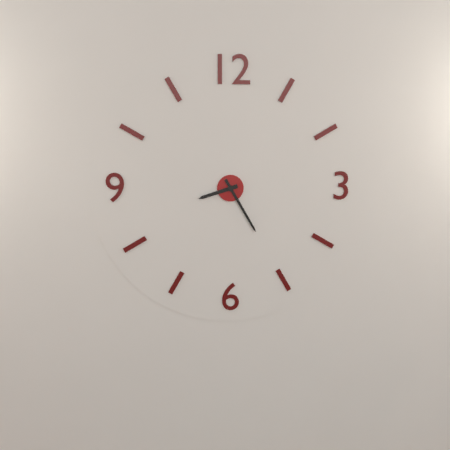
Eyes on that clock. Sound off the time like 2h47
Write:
8h25
